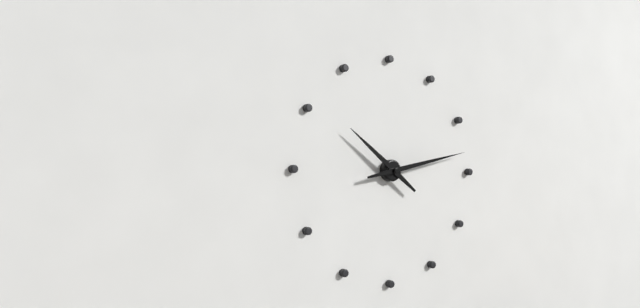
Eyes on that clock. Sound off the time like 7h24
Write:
10h13
